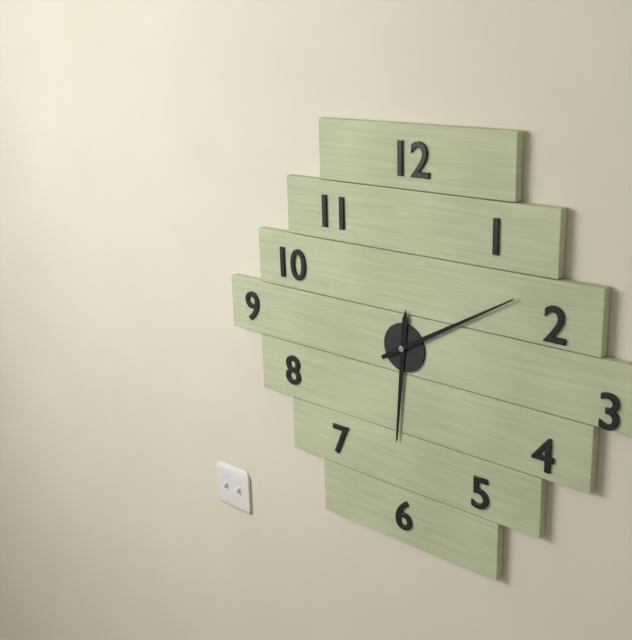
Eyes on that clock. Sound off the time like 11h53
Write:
6h10
